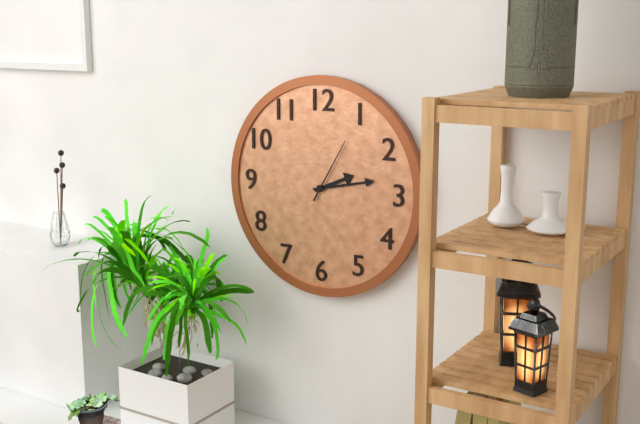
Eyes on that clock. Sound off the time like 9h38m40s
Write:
2h13m05s
